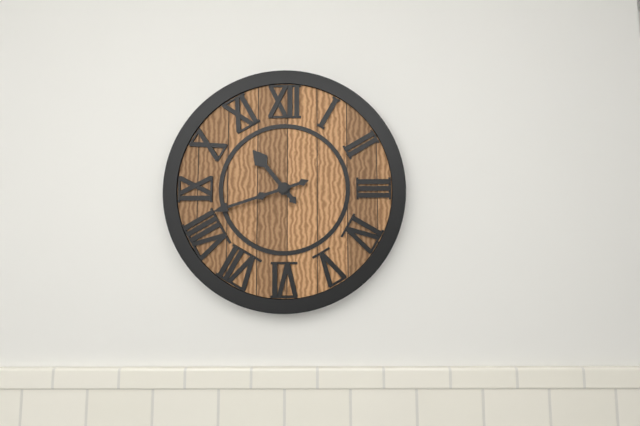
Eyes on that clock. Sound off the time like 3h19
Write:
10h42
